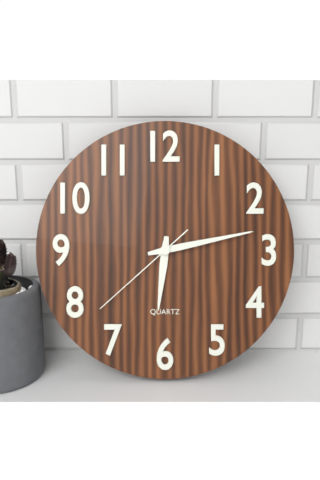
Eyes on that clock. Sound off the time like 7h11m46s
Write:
6h13m38s
